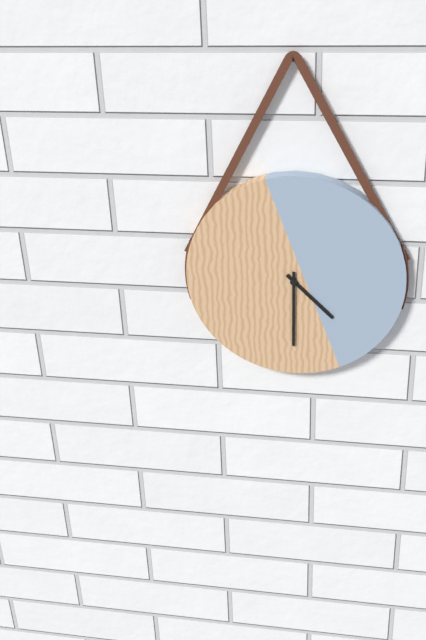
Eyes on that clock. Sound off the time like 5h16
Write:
4h30
